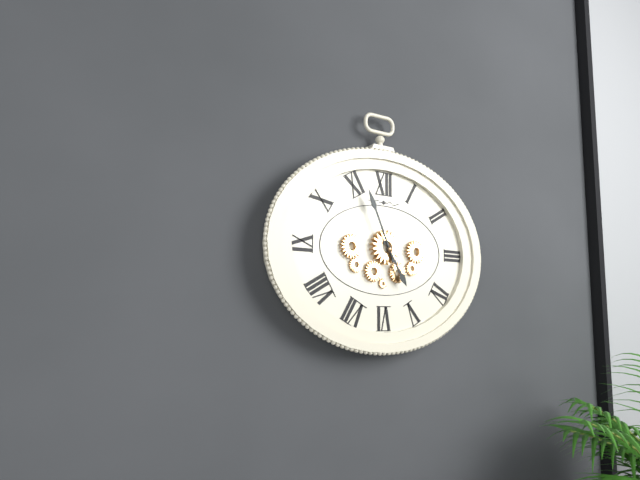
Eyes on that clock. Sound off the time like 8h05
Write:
4h56
